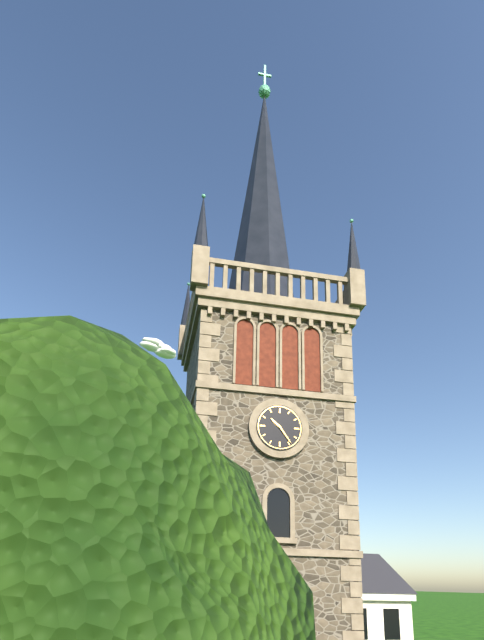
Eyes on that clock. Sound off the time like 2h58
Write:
10h24
